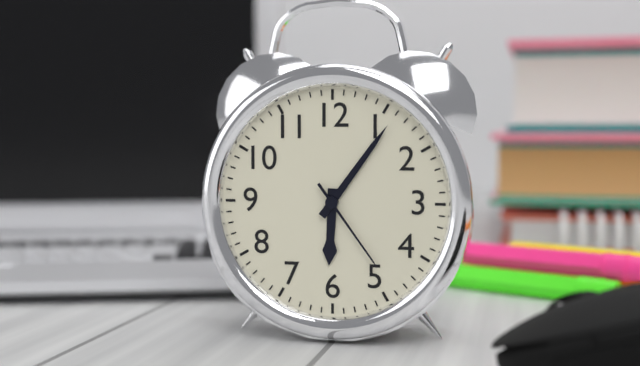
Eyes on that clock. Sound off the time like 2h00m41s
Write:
6h06m24s
